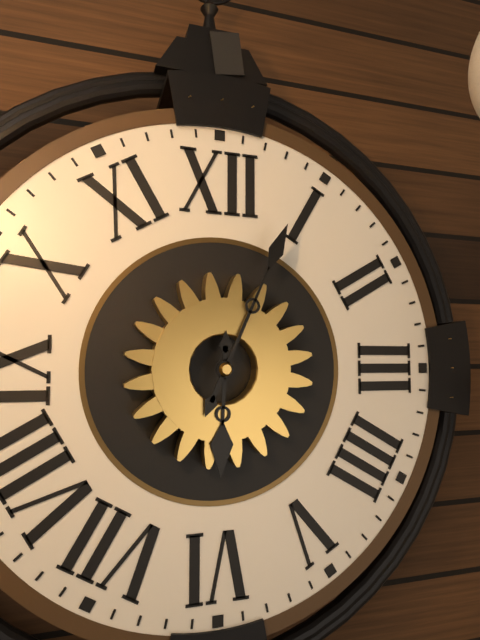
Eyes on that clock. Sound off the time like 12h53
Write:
6h04
